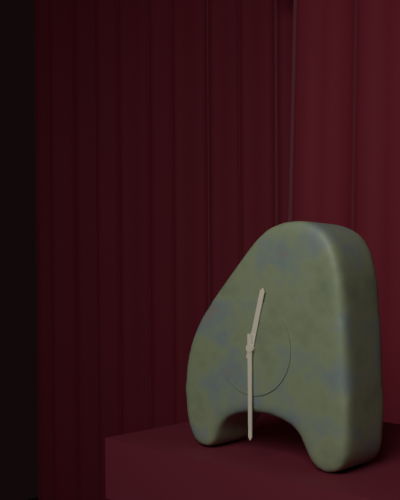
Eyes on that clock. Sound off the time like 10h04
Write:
12h30
